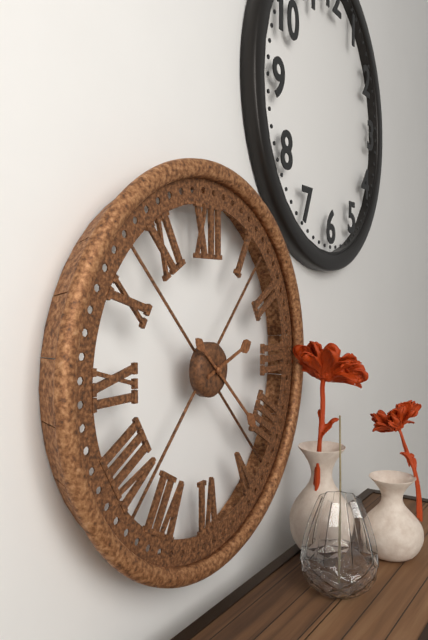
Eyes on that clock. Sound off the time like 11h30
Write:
2h22
